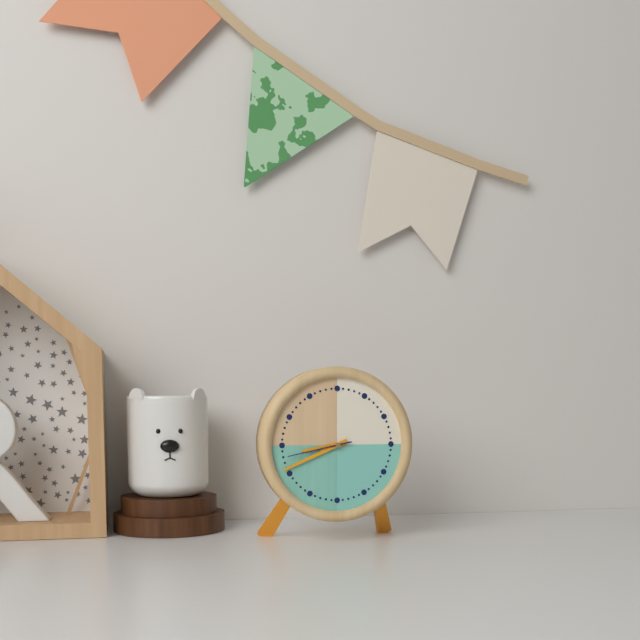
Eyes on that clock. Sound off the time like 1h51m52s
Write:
8h41m43s
